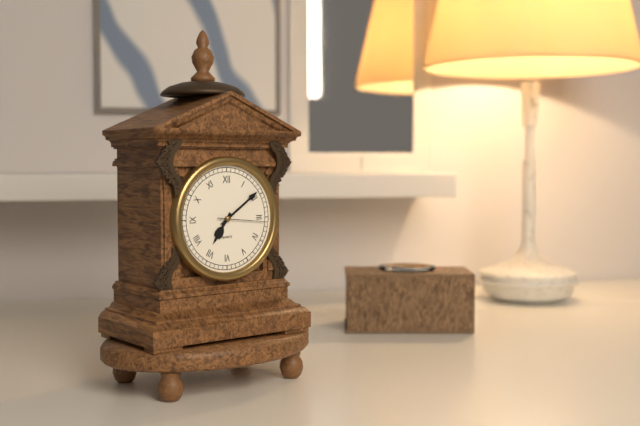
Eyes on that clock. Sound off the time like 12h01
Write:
7h09
